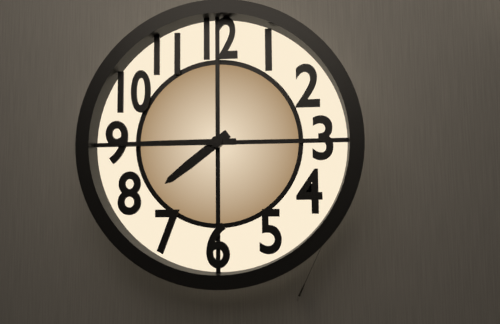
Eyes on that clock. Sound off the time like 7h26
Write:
7h45
